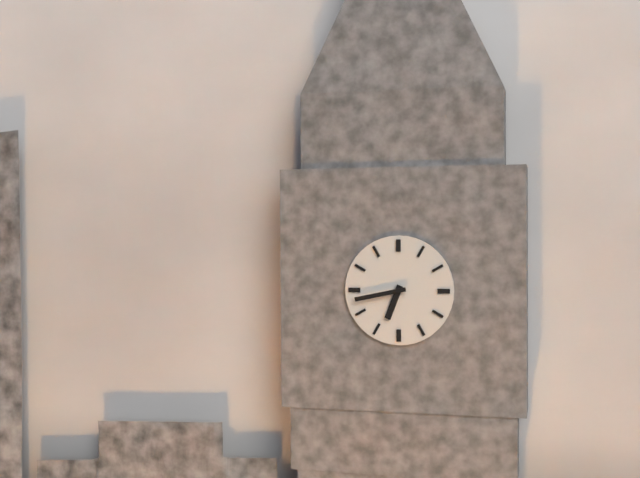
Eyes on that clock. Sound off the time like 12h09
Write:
6h43
